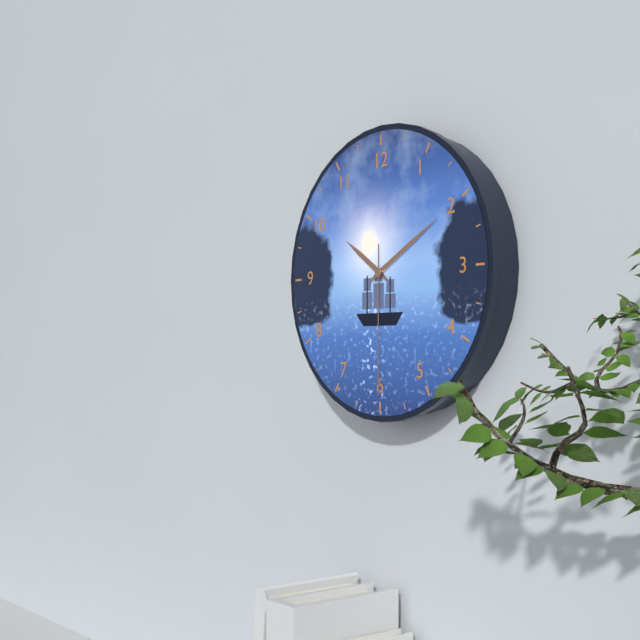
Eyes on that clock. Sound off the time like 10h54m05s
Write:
10h10m30s
